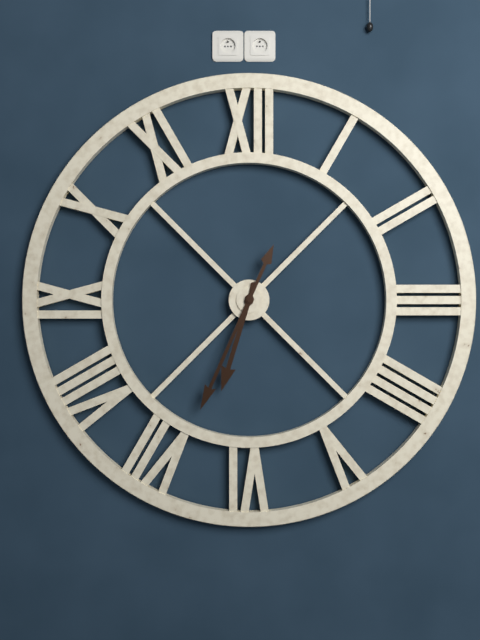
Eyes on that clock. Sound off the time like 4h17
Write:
6h34
